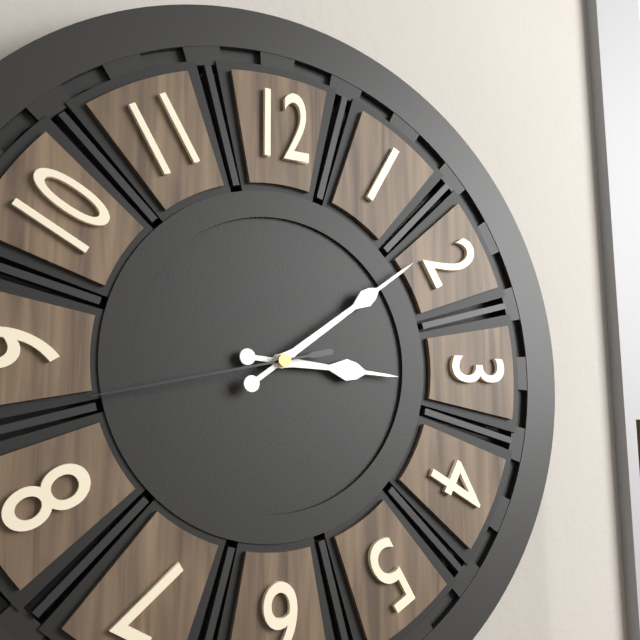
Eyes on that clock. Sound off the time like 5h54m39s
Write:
3h09m43s
